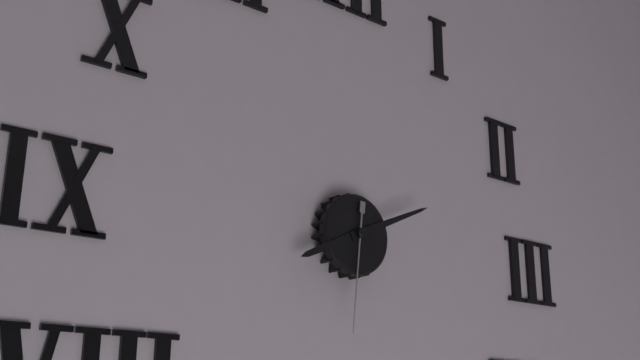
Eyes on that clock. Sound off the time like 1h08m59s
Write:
8h11m31s
